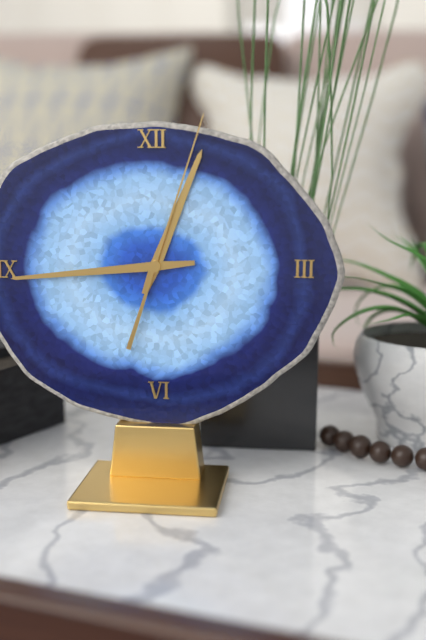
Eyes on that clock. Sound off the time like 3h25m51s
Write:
12h44m03s
